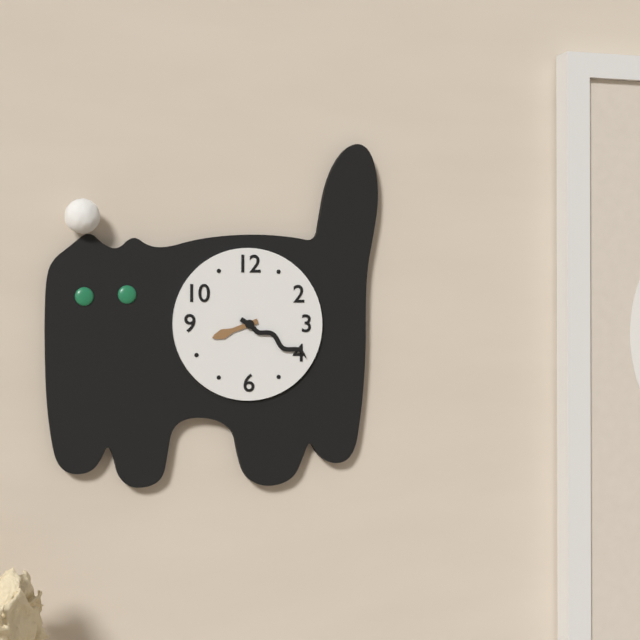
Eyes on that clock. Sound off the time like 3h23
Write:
8h20
